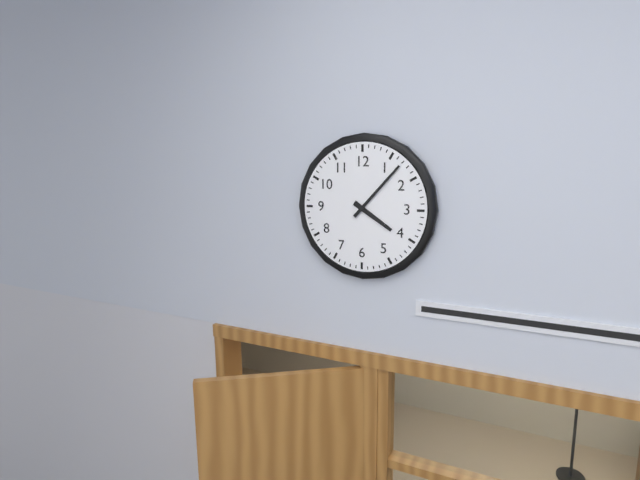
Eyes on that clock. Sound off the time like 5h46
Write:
4h07
